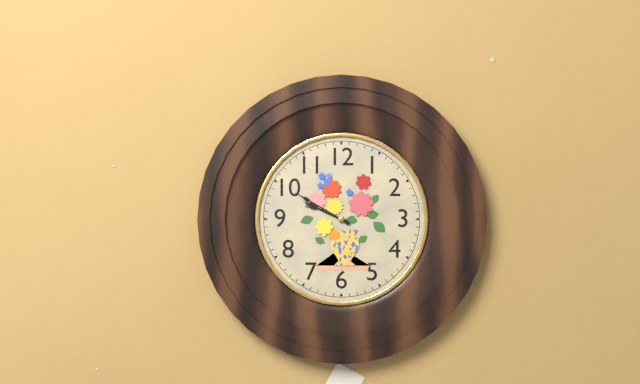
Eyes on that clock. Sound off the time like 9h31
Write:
9h50
